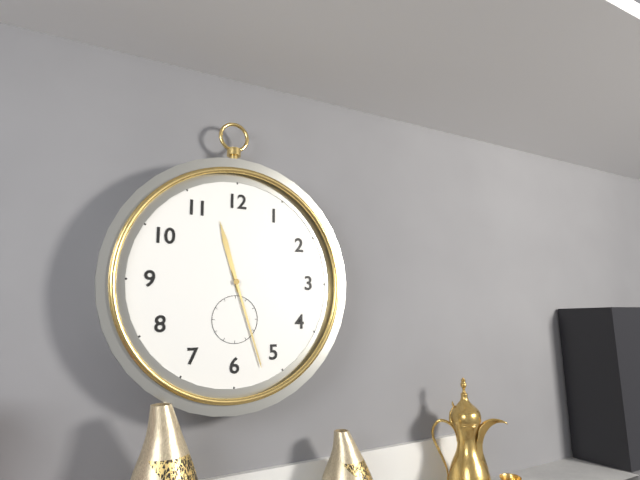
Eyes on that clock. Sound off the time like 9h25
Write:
11h27
